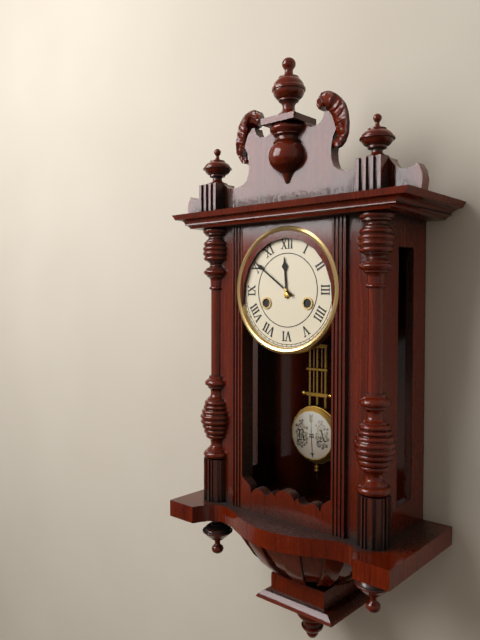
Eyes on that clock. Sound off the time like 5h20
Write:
11h51
